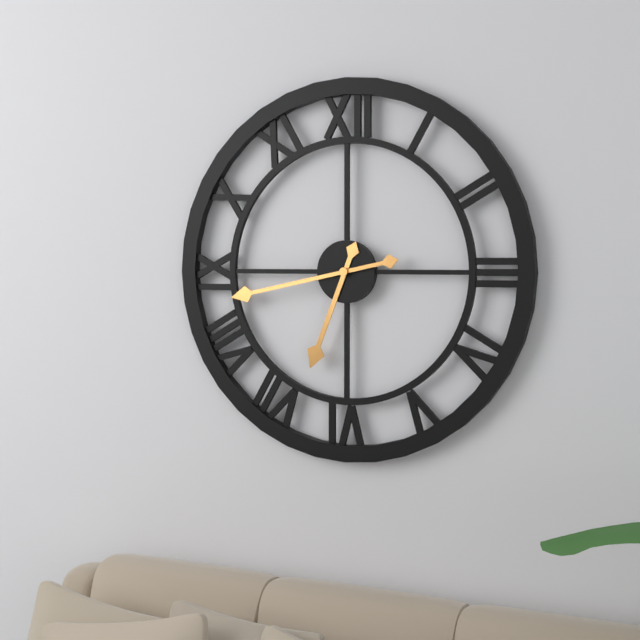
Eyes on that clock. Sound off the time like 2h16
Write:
6h43
